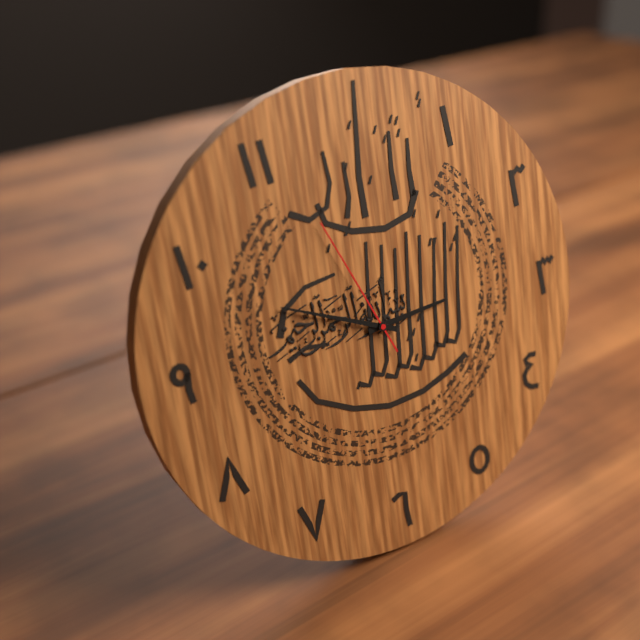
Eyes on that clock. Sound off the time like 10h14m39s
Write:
2h49m56s
